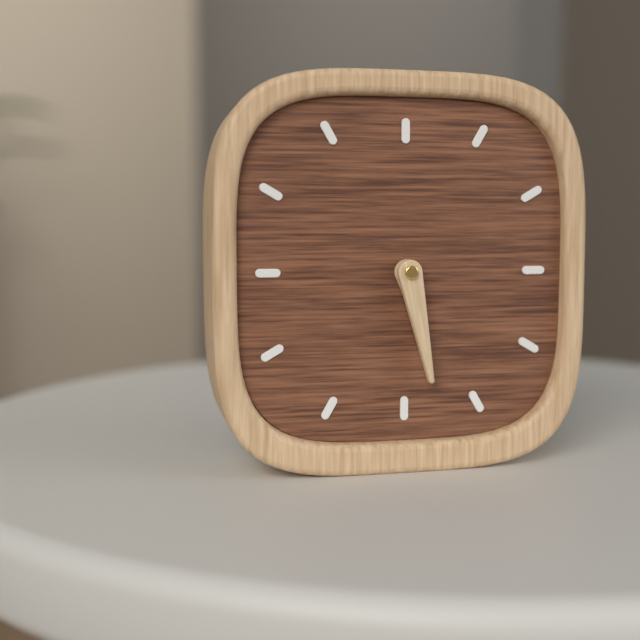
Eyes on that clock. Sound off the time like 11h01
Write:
5h28
